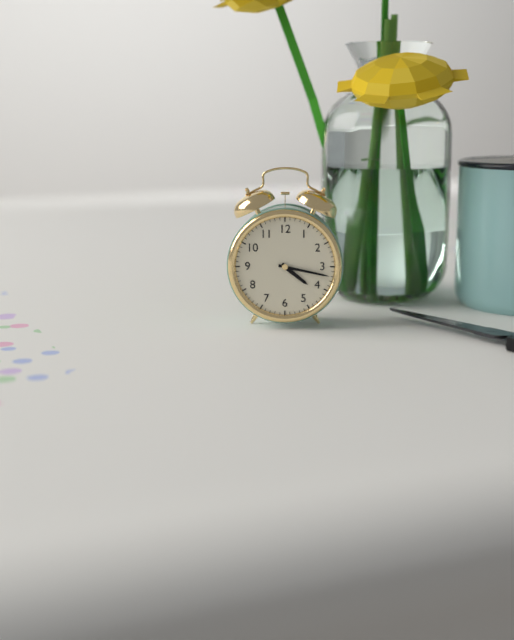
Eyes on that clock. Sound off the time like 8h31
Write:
4h17
